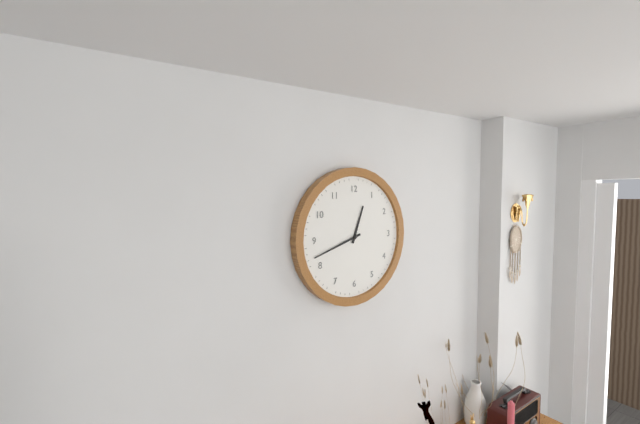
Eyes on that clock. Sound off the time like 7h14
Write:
12h42
